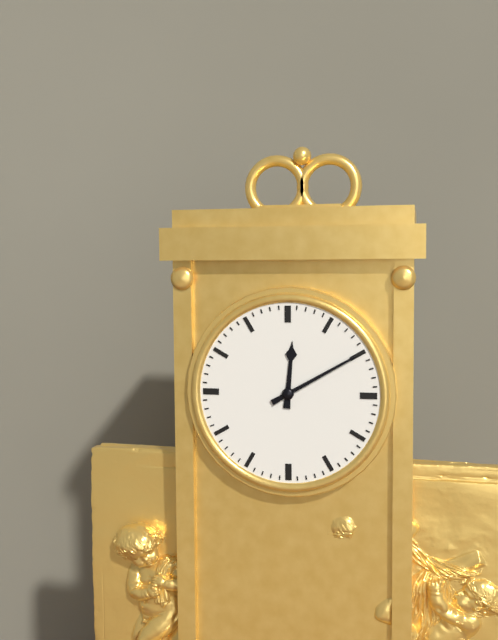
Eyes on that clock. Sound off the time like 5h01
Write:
12h10
